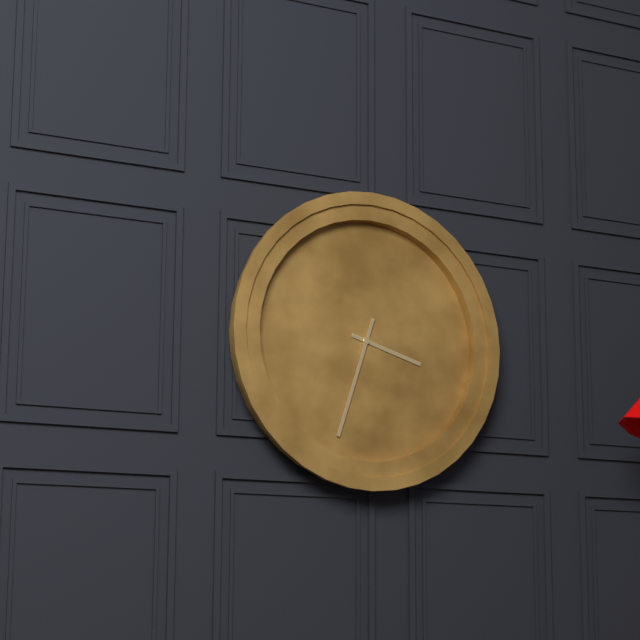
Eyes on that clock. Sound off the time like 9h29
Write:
3h33
